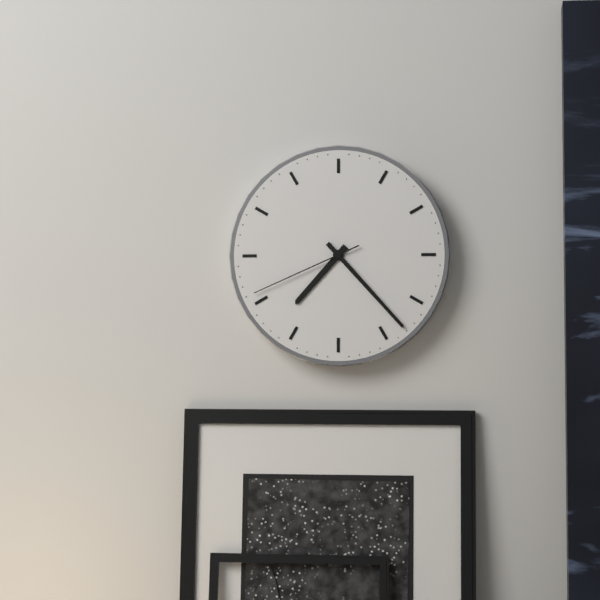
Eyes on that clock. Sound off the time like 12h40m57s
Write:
7h23m41s
